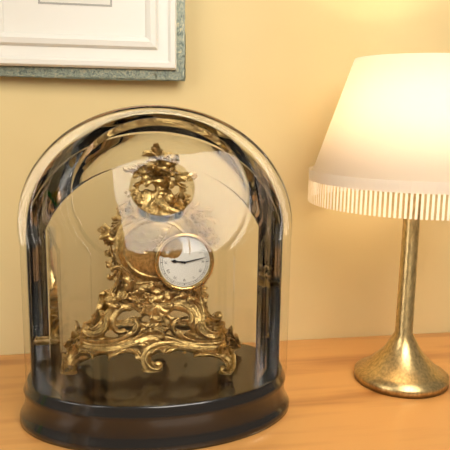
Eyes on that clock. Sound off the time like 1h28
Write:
9h13
